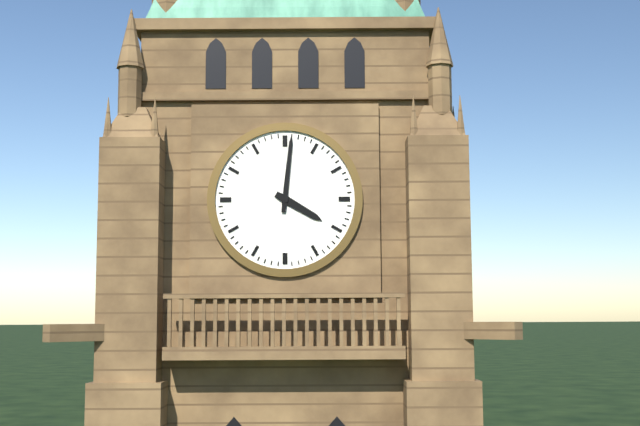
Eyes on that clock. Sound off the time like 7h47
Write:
4h01
